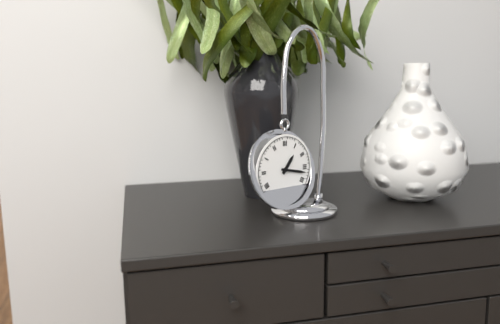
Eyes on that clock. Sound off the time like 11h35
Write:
1h17
